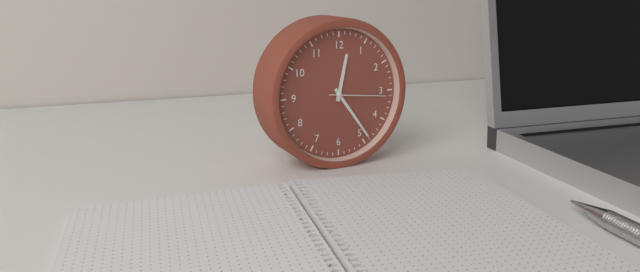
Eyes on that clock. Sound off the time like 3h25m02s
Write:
12h24m16s
